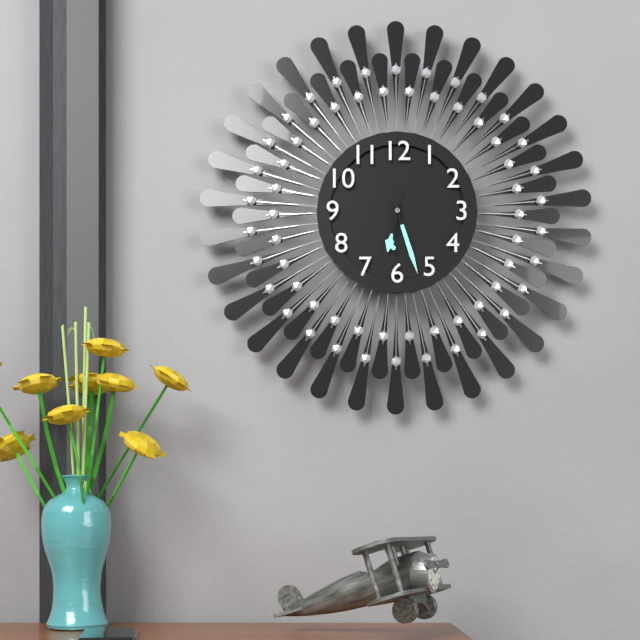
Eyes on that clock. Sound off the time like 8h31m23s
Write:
6h27m31s
